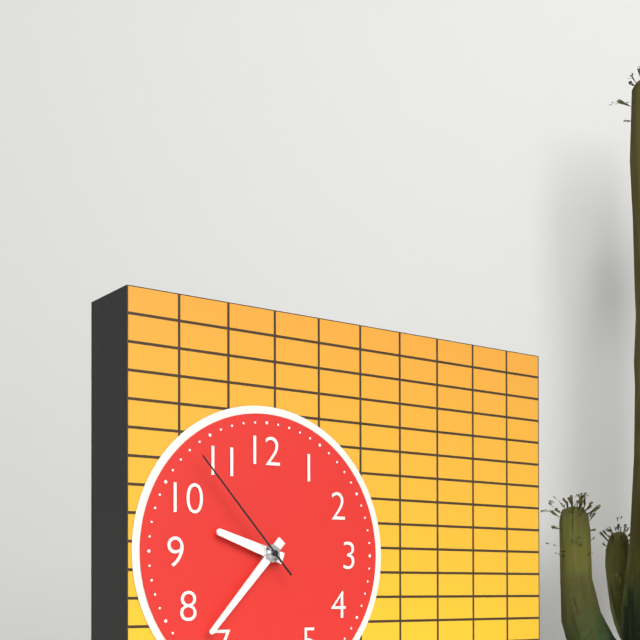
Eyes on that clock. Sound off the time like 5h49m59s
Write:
9h37m53s
